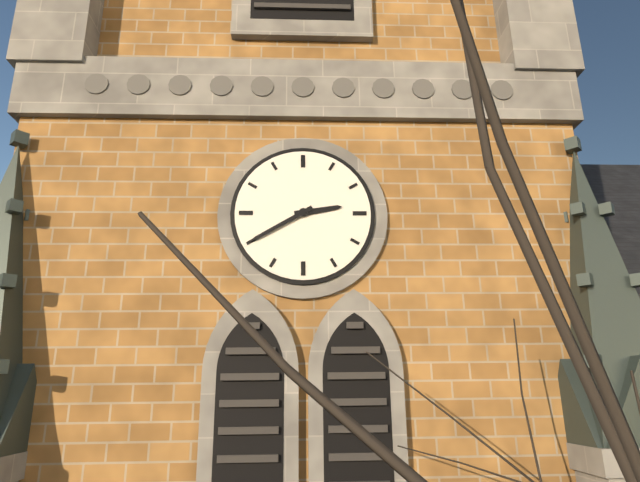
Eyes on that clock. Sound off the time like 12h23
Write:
2h40
